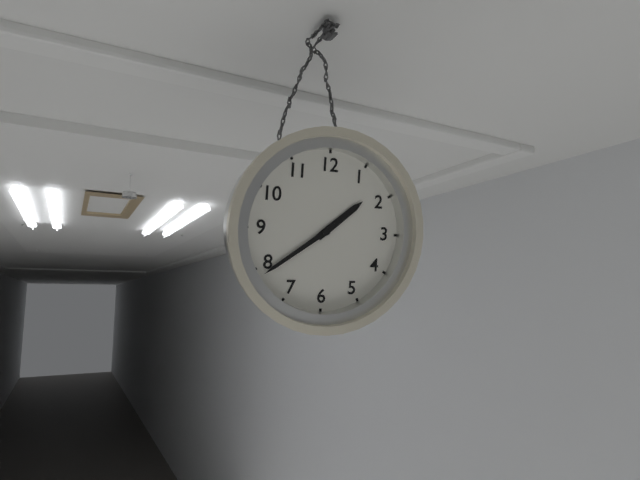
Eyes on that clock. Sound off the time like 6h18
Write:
1h39
